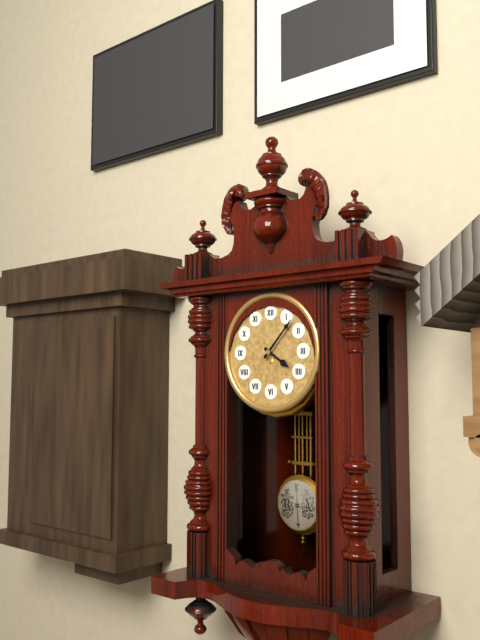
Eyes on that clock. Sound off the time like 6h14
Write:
4h07
